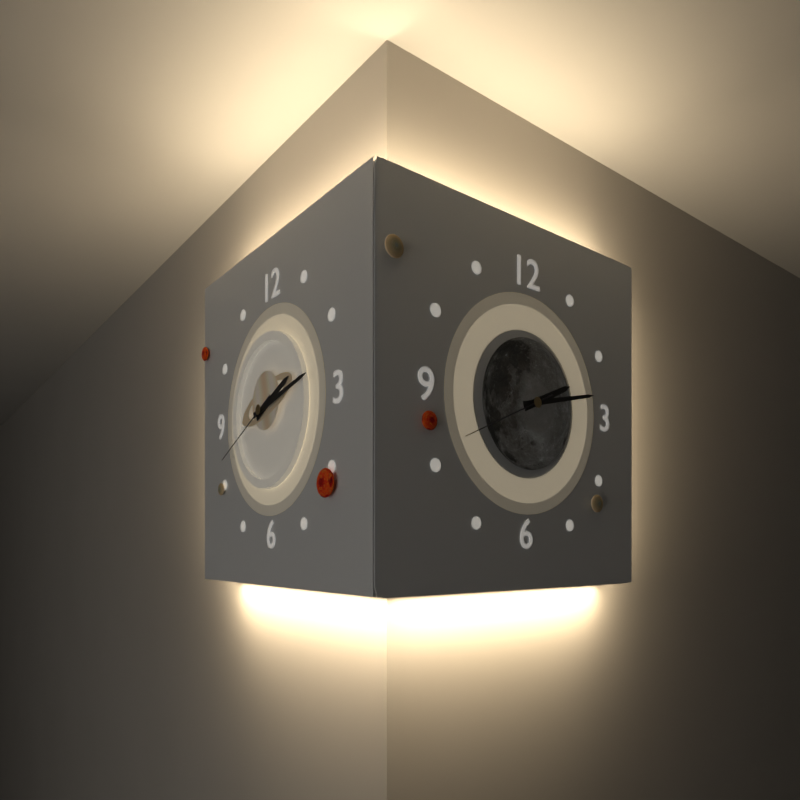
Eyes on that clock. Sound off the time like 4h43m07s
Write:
2h13m41s
